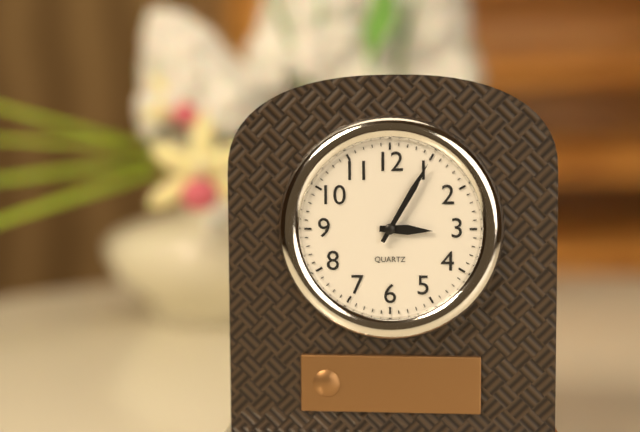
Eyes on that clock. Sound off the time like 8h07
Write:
3h05
